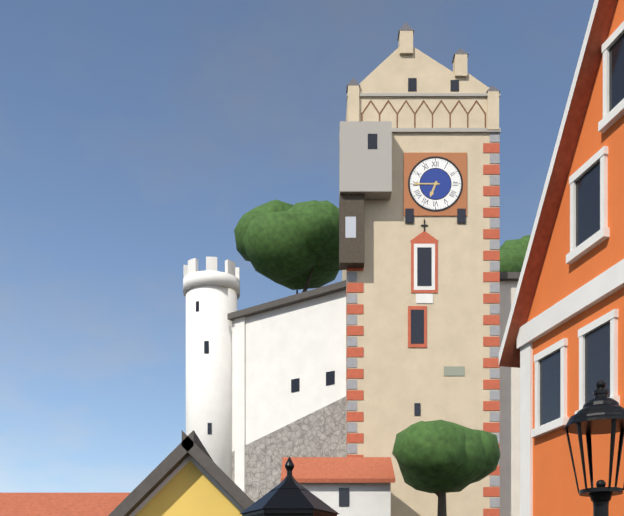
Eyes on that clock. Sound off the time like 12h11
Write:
6h45
